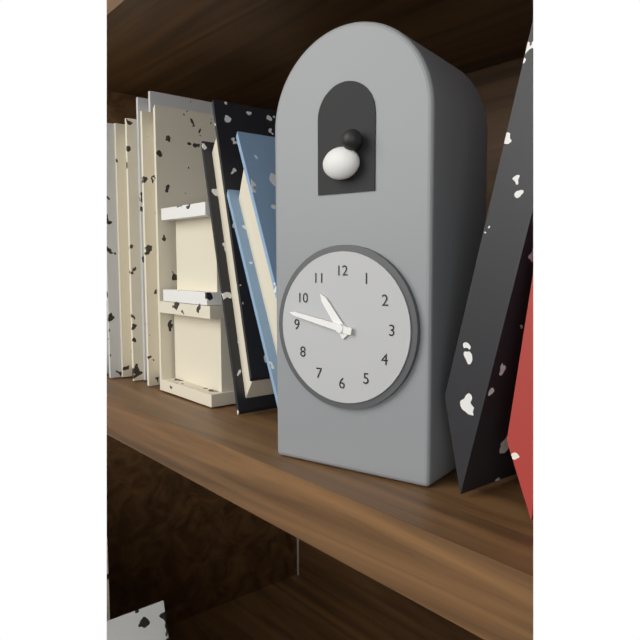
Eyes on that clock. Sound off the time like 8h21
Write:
10h47
